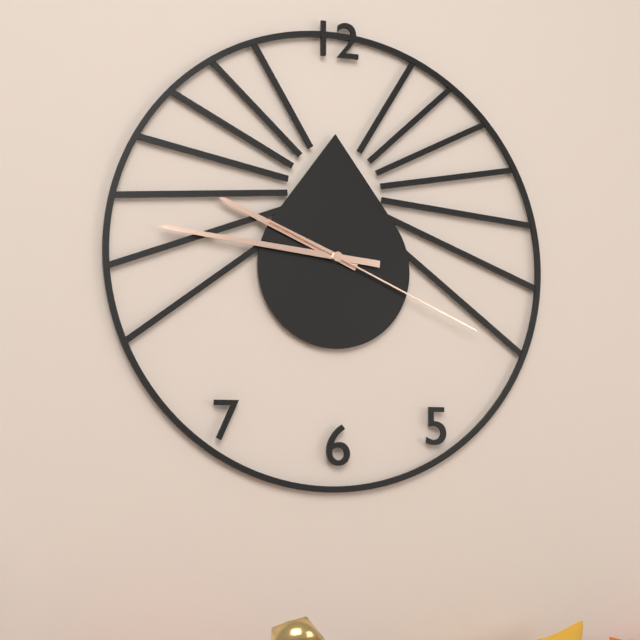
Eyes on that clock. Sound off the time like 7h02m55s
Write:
9h46m19s
